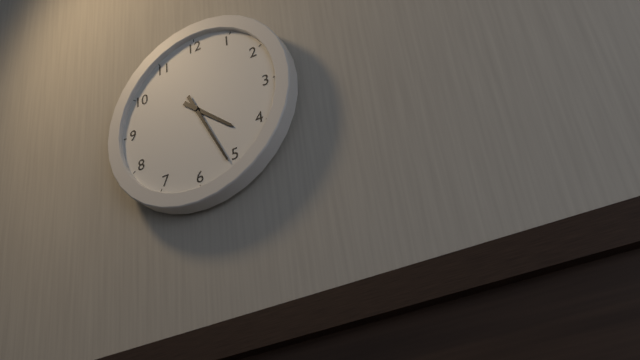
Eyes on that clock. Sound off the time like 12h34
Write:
4h26
